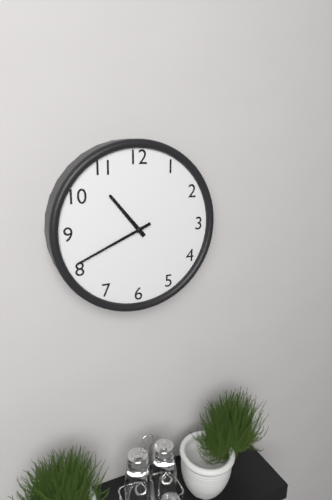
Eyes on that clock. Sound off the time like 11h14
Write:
10h41
